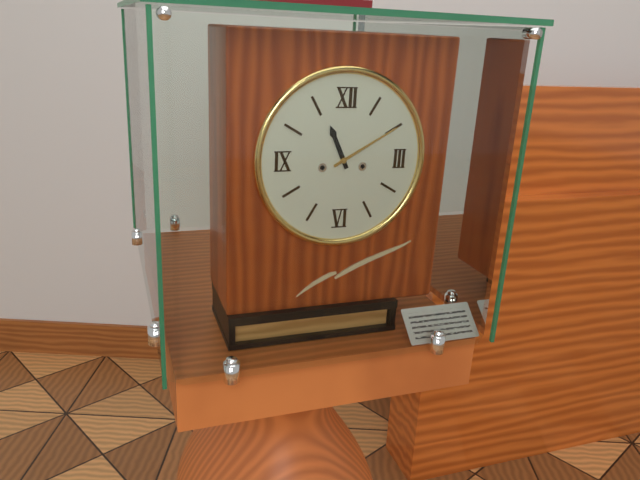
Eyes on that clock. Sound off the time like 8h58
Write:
11h10
